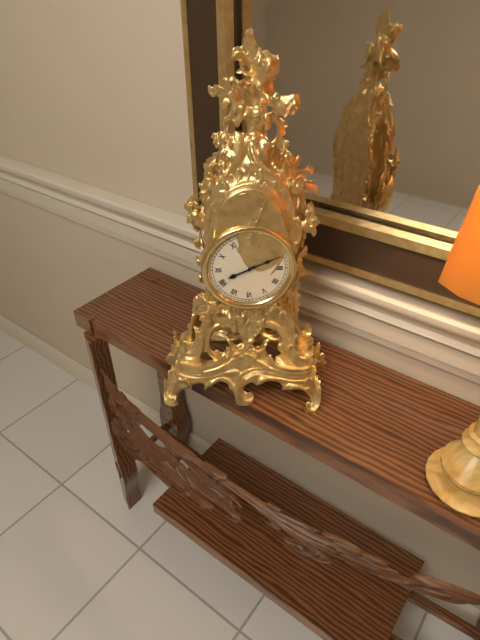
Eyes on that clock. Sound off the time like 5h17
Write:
8h11
